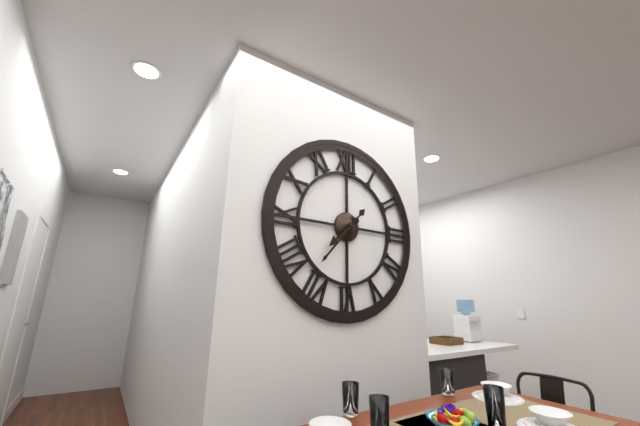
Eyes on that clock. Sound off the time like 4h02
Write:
7h37
